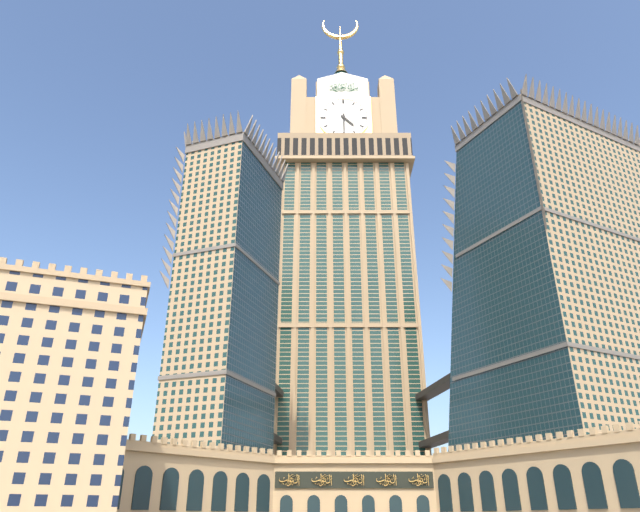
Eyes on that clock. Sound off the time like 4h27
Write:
4h30
